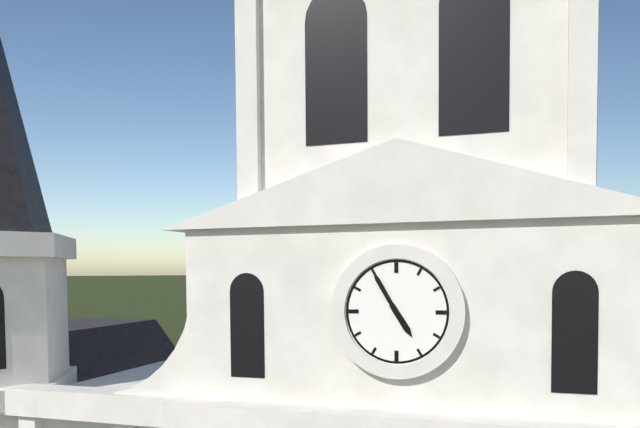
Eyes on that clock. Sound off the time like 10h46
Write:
4h55
